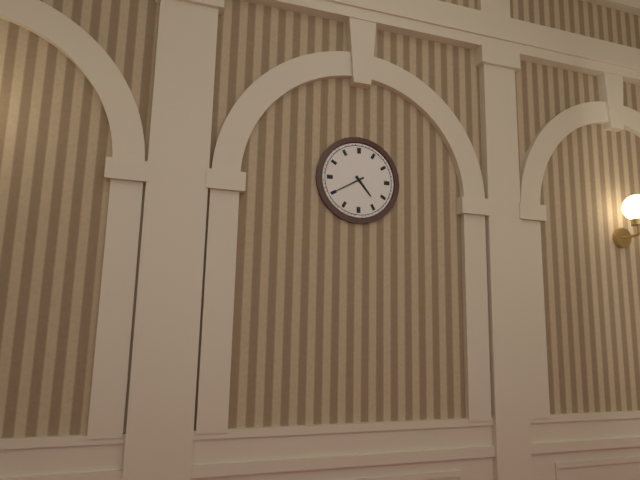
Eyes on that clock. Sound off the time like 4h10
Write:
4h40
